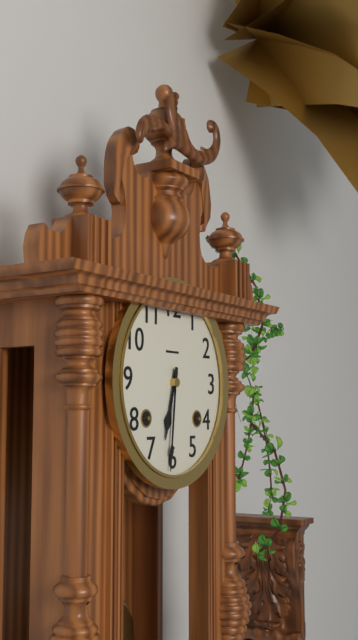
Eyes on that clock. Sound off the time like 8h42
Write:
6h31
